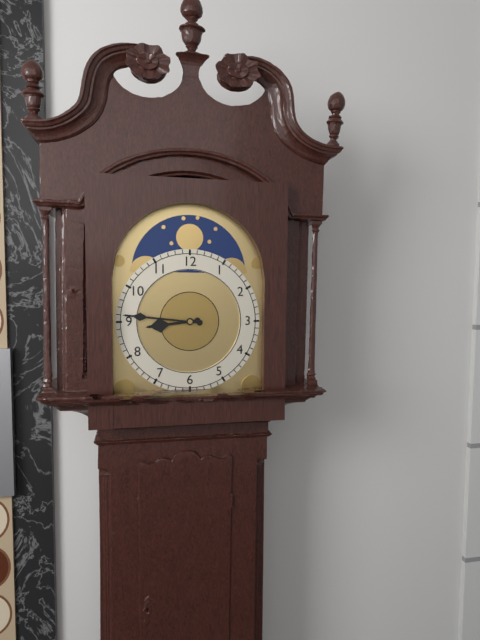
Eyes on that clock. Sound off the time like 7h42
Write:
8h46
